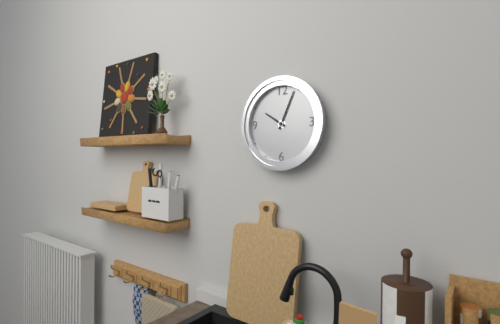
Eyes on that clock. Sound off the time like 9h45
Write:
10h04
